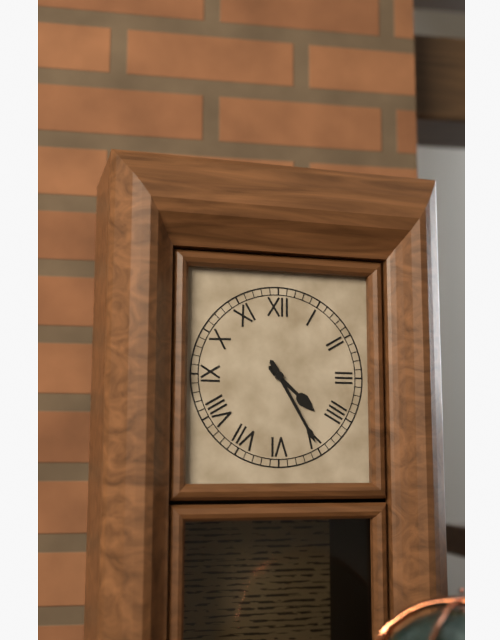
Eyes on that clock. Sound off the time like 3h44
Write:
4h25
